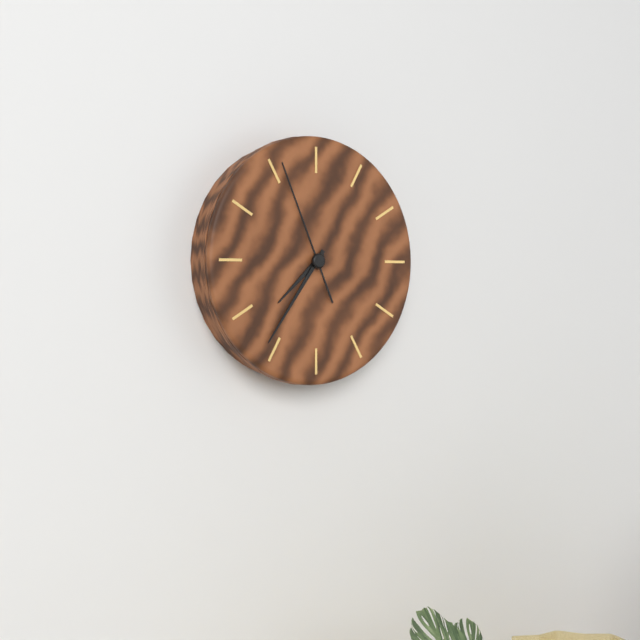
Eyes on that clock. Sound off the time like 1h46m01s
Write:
7h36m56s
